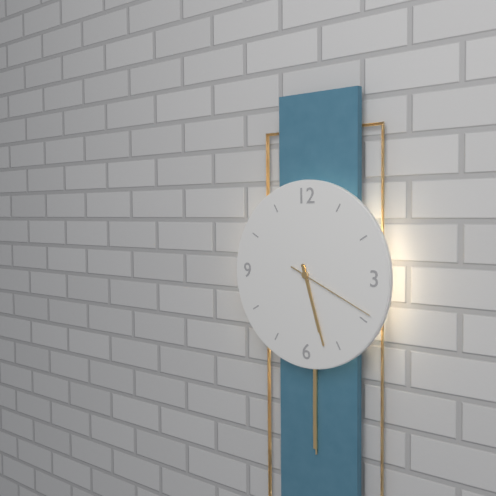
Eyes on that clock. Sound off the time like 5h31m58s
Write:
5h27m19s
